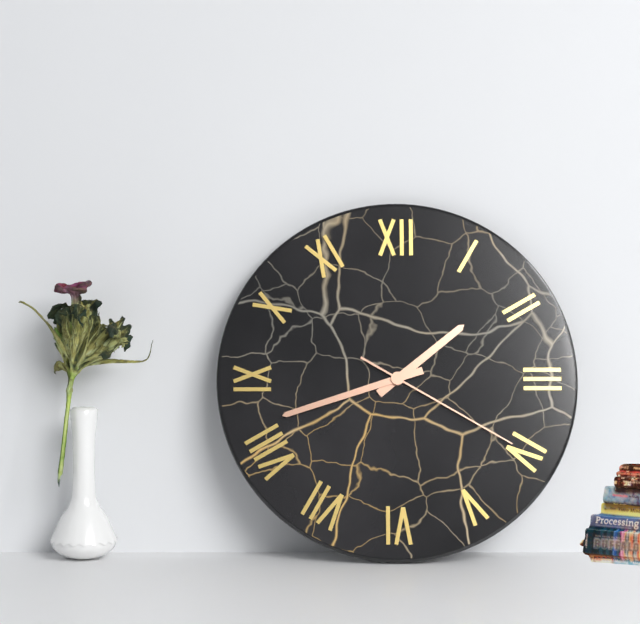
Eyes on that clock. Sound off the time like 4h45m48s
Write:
1h42m20s
